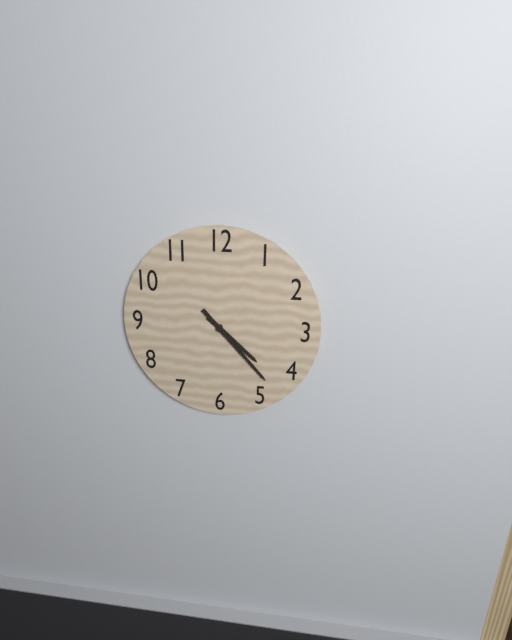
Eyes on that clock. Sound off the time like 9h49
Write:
4h23
